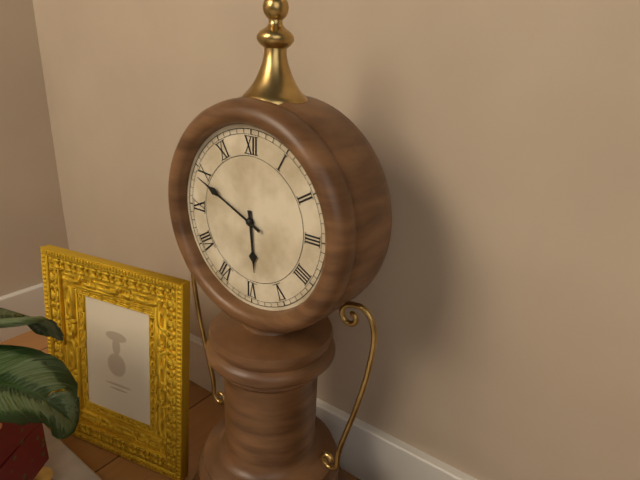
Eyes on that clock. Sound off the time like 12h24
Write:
5h49
